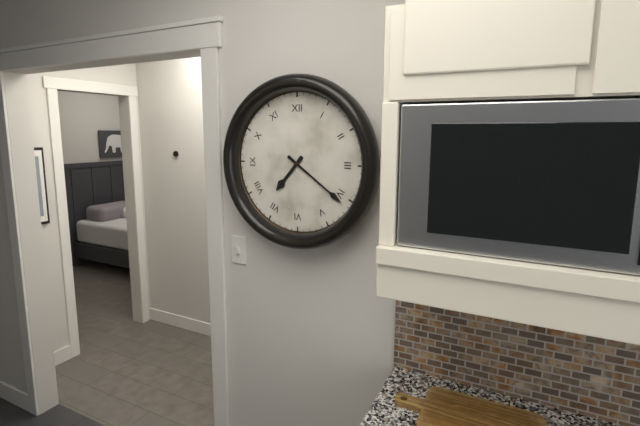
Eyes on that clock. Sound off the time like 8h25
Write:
7h21
